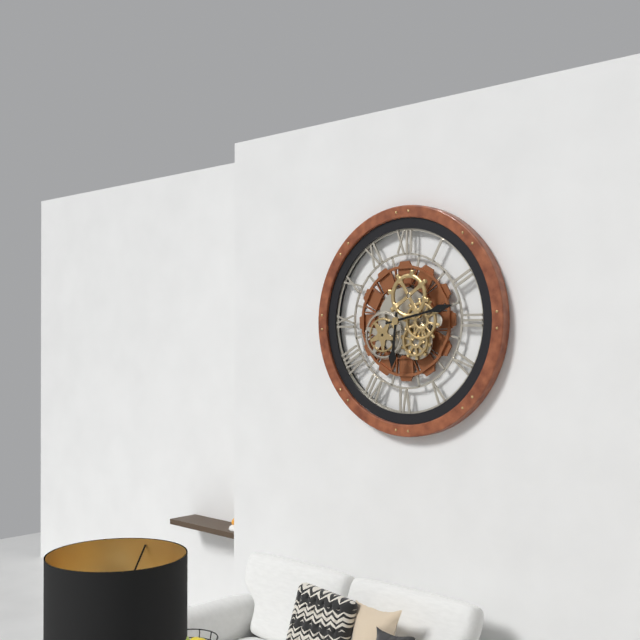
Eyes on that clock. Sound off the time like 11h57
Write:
6h13
